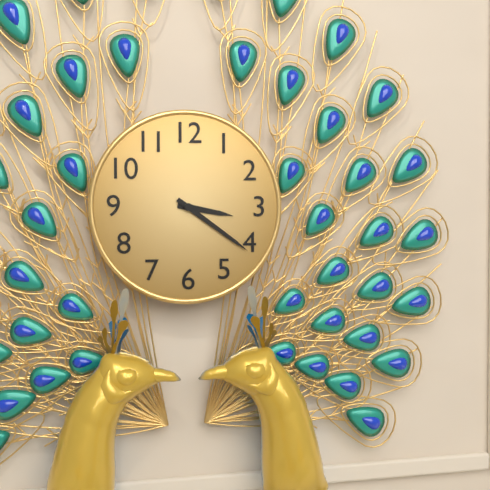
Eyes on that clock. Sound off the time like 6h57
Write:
3h21
